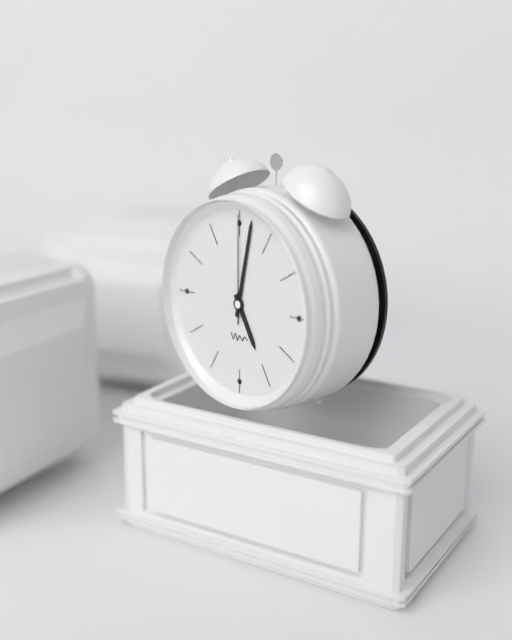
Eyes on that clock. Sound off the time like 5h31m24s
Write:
5h02m00s
